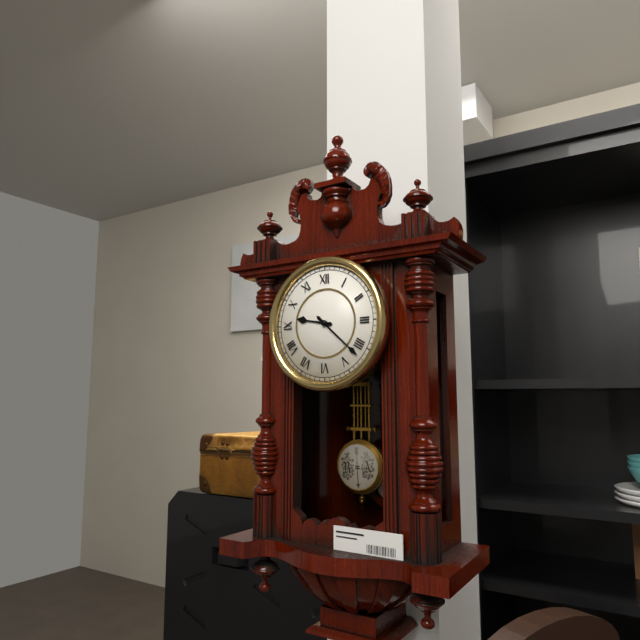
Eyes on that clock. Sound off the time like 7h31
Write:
9h22
